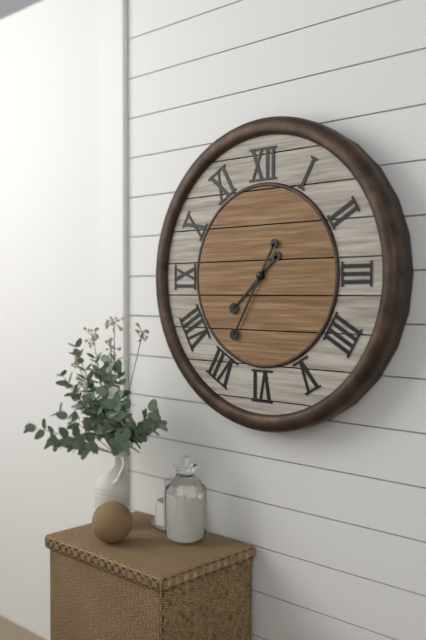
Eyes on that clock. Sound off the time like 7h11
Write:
7h35
